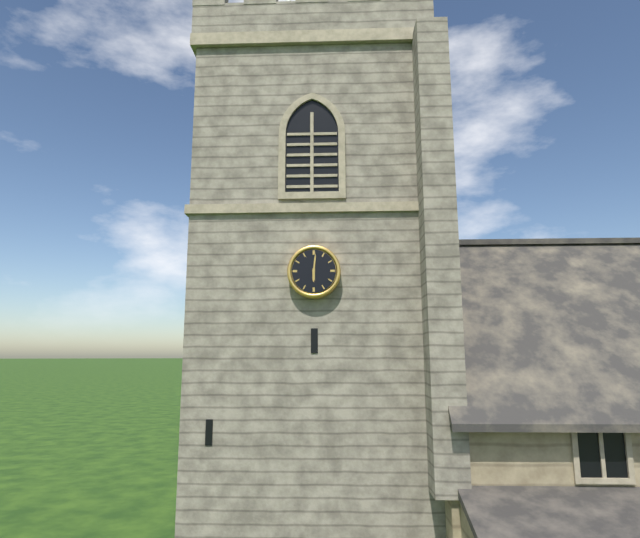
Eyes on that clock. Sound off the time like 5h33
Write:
6h01
